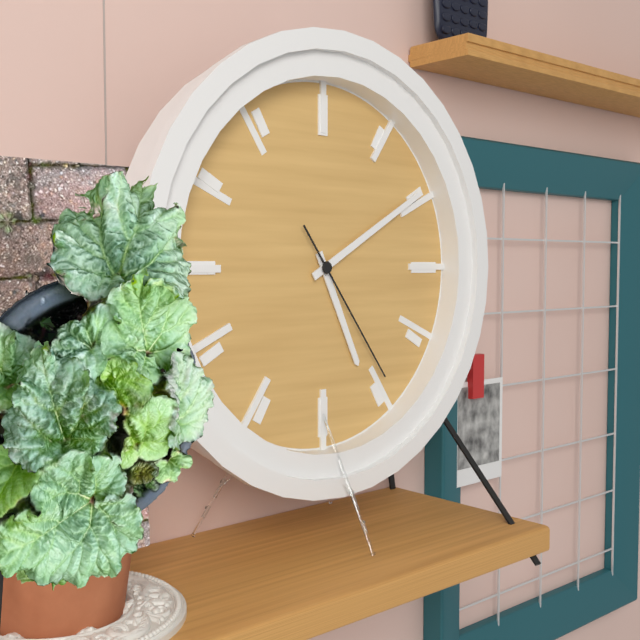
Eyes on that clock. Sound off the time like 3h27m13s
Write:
5h10m24s
